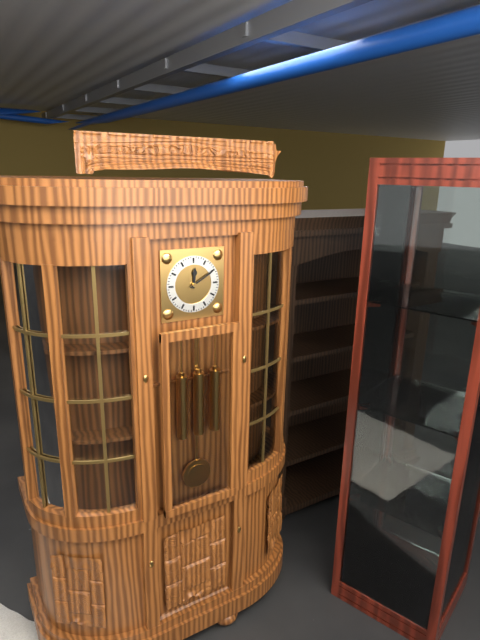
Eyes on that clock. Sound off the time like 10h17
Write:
12h10
